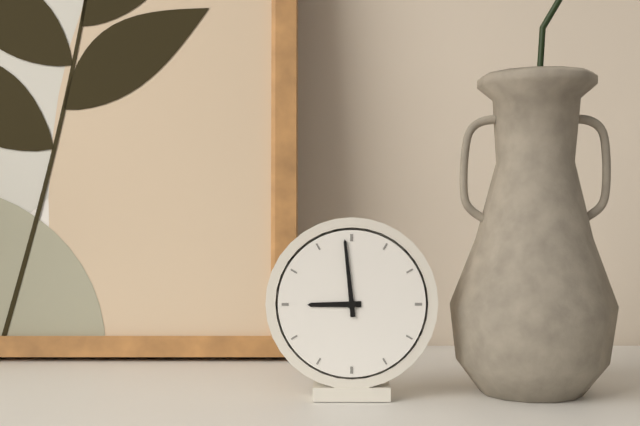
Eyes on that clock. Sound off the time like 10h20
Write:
8h59
